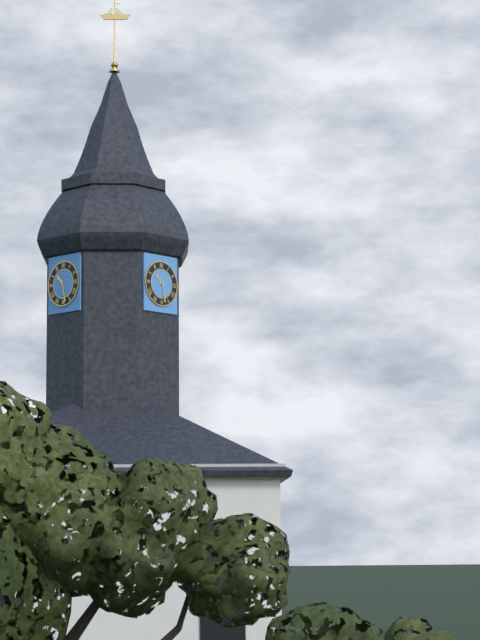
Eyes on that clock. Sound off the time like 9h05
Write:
10h28
